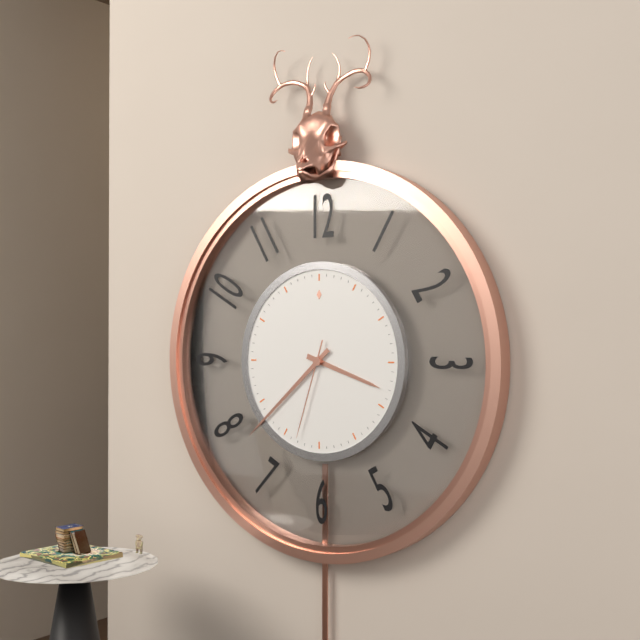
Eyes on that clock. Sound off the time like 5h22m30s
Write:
3h38m33s
